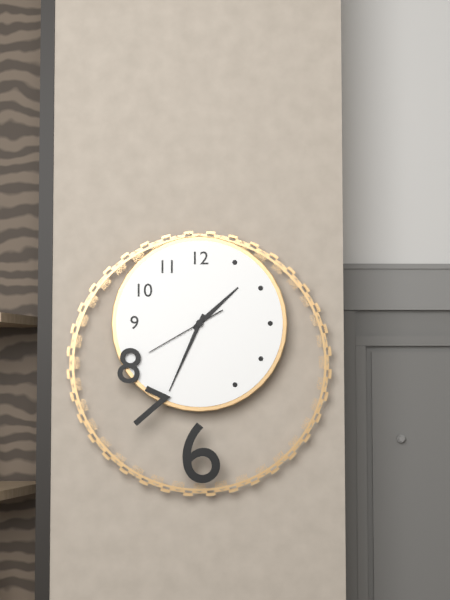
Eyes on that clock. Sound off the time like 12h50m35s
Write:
1h34m40s
